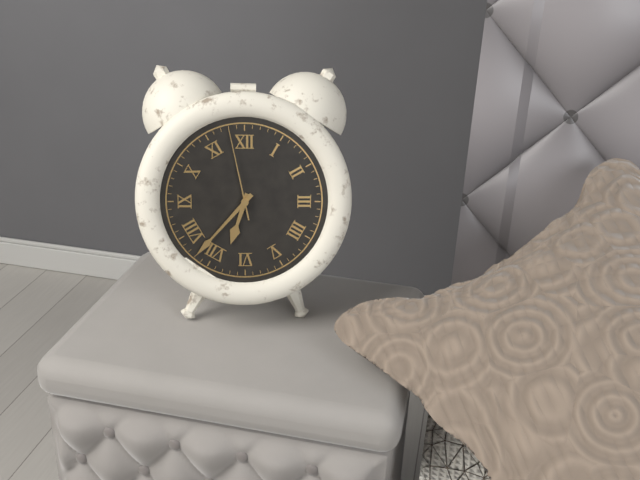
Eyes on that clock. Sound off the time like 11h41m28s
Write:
6h37m58s
